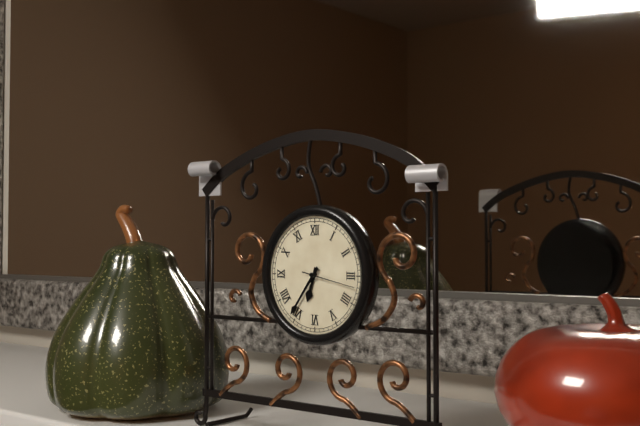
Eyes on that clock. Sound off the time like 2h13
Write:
6h36
